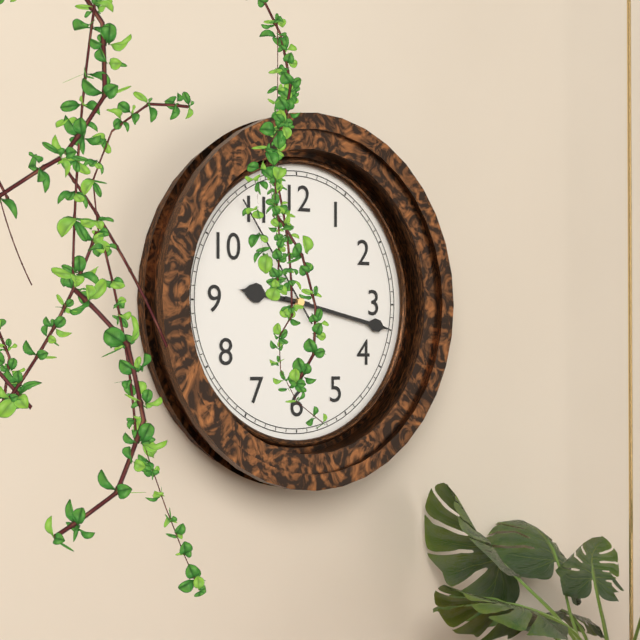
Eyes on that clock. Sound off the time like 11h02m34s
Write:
9h17m54s
